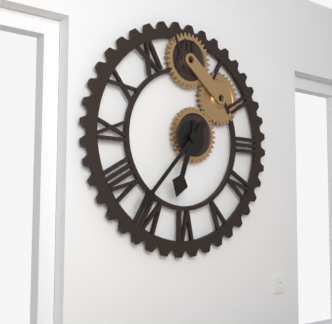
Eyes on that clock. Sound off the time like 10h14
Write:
6h37
